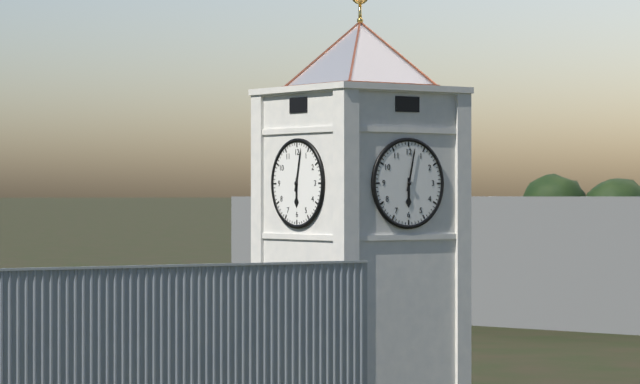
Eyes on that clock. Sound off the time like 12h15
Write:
6h02
